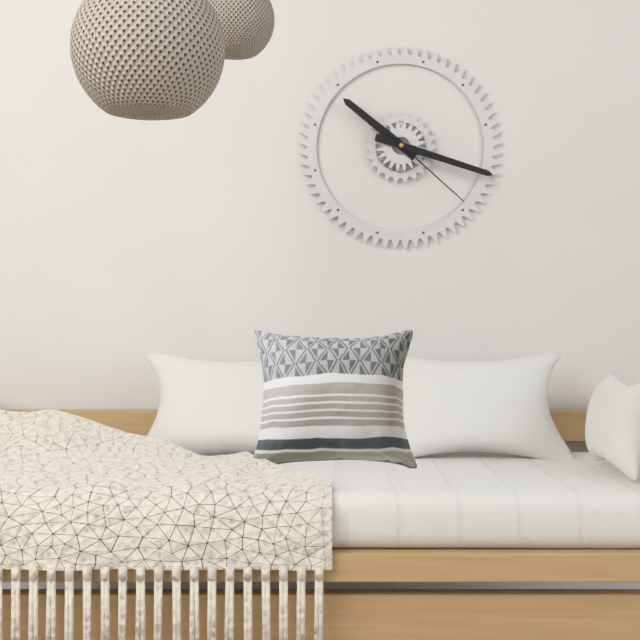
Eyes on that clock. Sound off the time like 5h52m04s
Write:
10h18m22s
